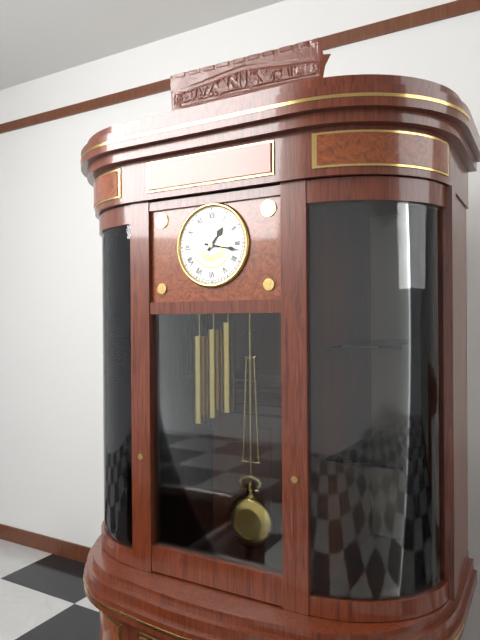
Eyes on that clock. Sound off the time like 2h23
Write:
1h17
